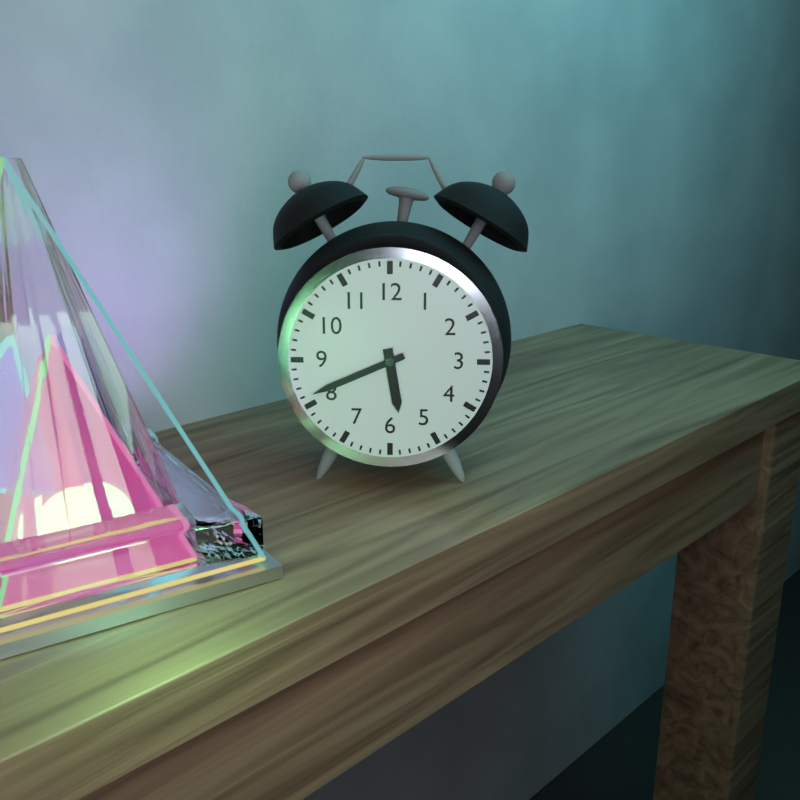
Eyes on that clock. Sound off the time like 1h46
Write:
5h41
